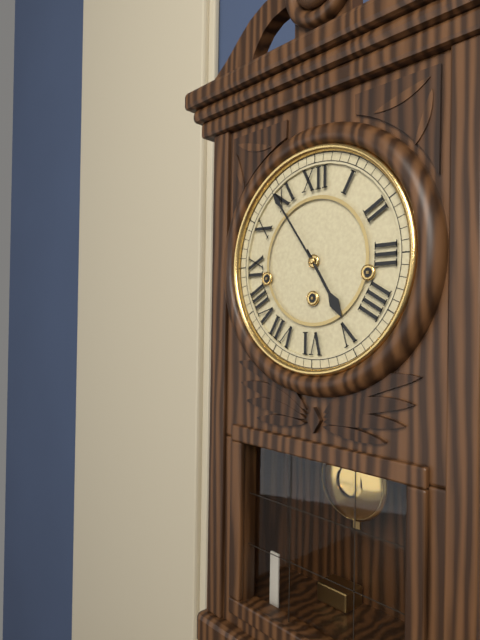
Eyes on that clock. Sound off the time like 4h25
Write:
4h54
